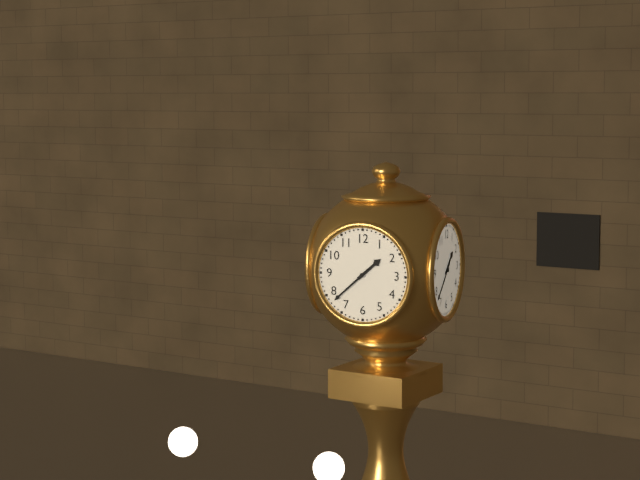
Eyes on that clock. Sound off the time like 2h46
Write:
1h38
